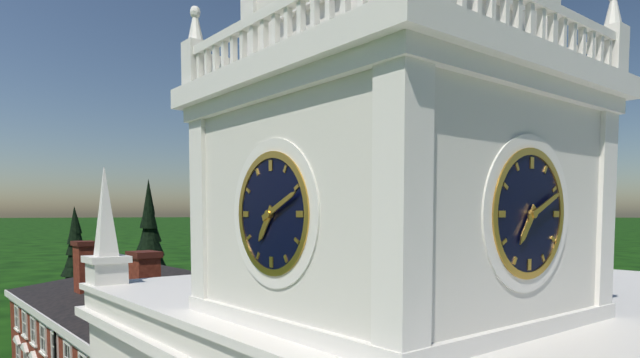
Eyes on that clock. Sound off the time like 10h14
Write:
7h11
